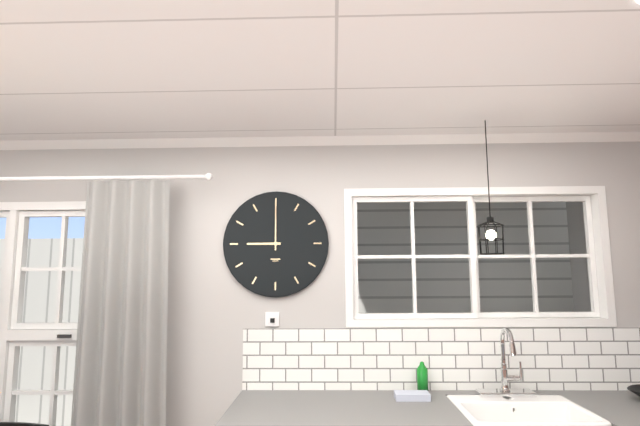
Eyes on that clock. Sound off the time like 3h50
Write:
9h00
